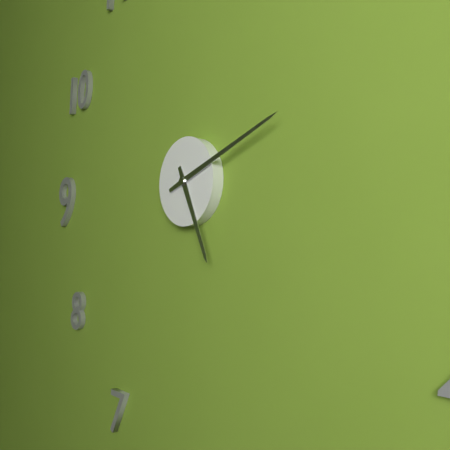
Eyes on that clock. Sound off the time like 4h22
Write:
5h12
